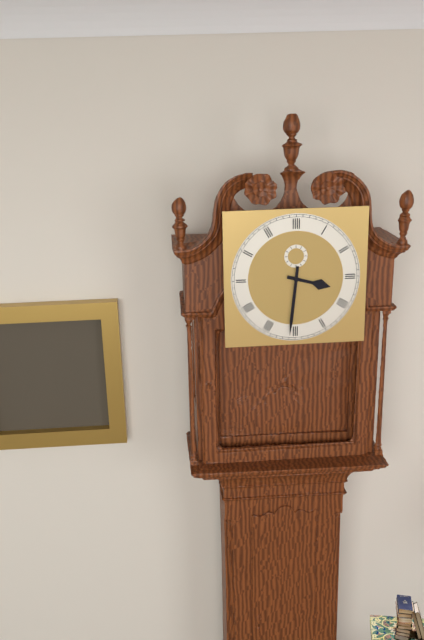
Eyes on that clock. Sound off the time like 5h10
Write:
3h31
